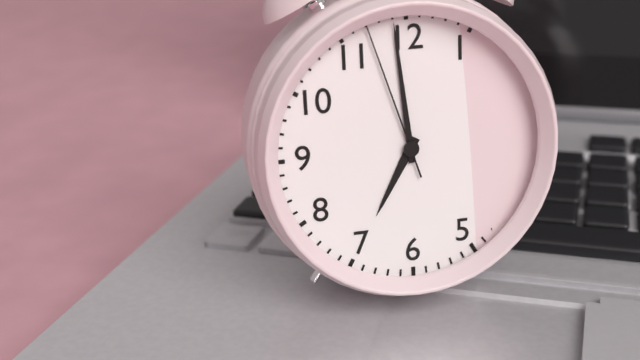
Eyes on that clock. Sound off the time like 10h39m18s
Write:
6h59m57s
